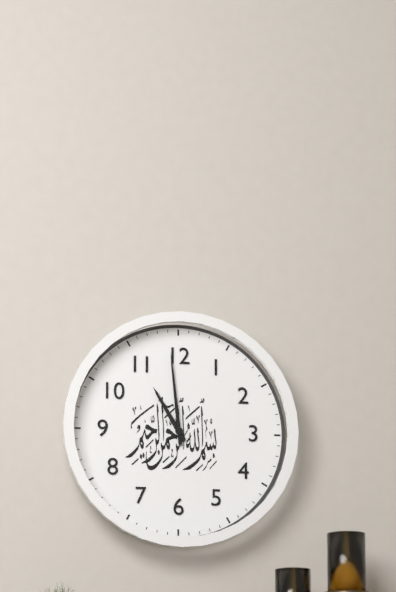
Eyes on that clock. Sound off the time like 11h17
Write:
10h59
